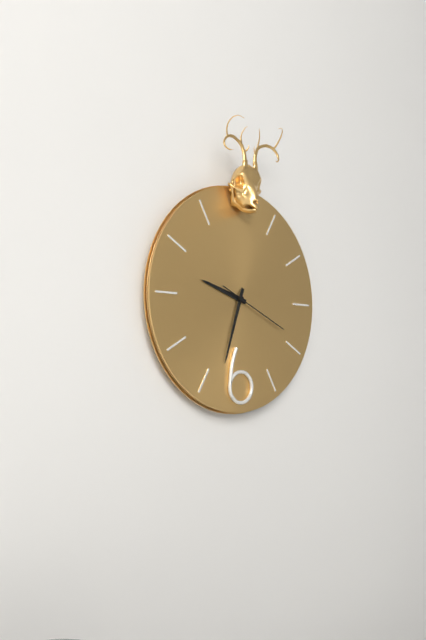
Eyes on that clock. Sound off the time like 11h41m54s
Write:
9h33m19s
